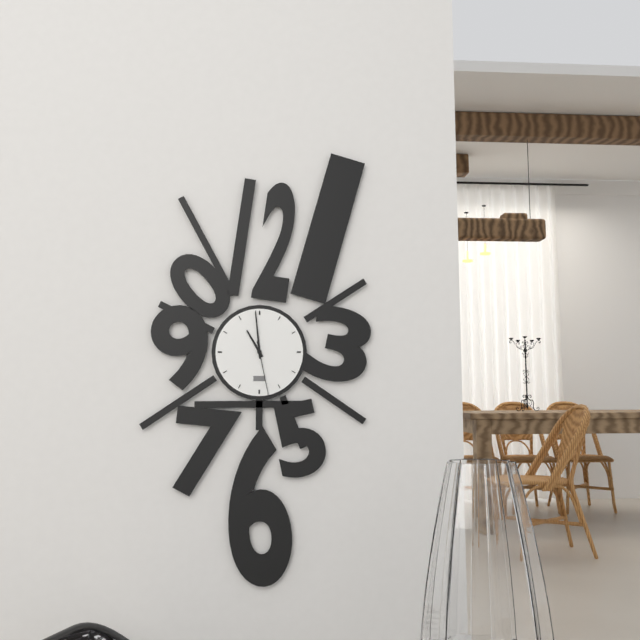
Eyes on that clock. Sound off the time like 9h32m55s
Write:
10h59m28s
